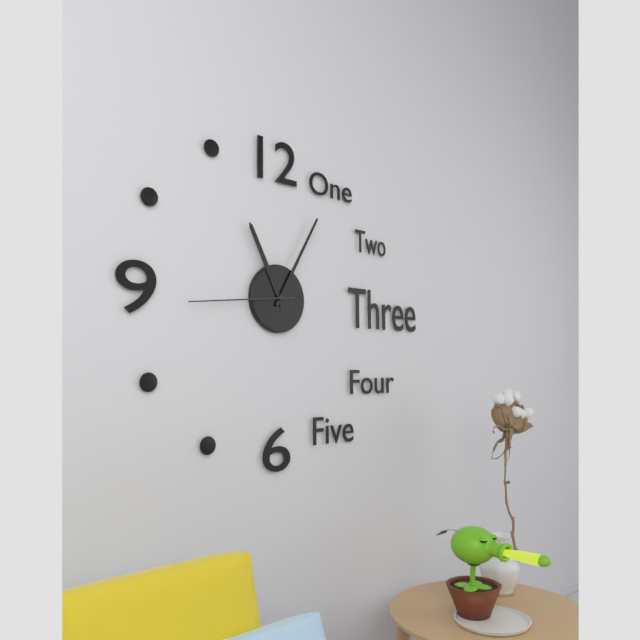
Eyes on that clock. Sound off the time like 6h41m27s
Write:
11h05m44s
